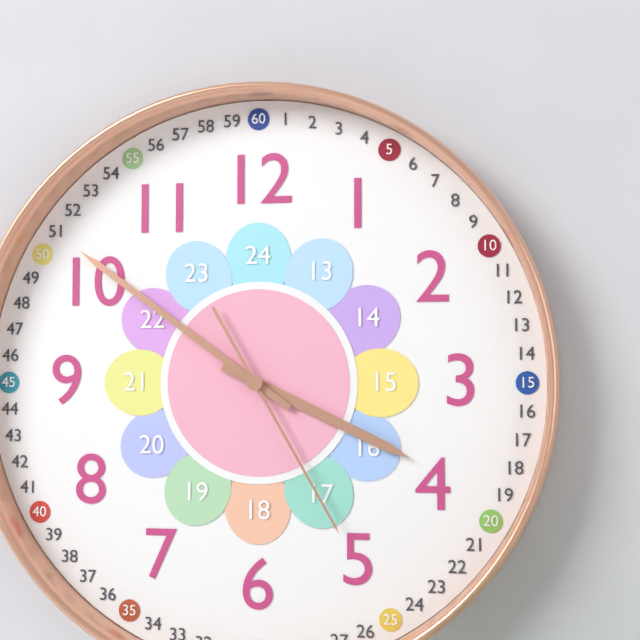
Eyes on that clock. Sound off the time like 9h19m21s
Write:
3h51m25s
